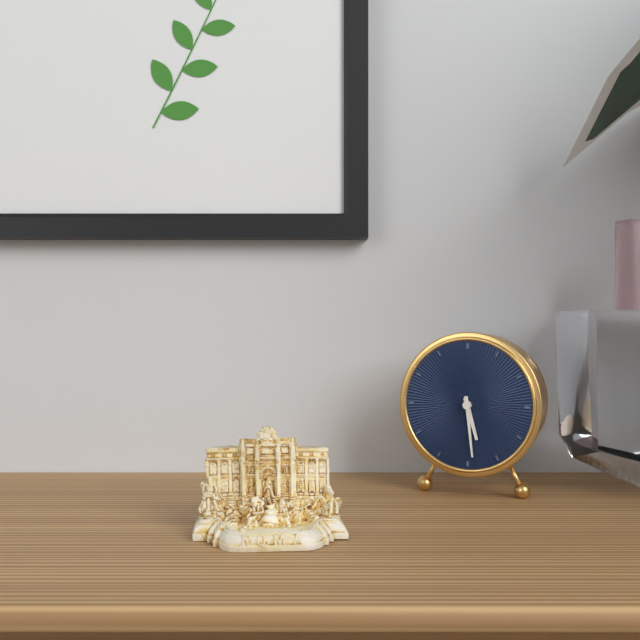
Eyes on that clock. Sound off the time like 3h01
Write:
5h29
